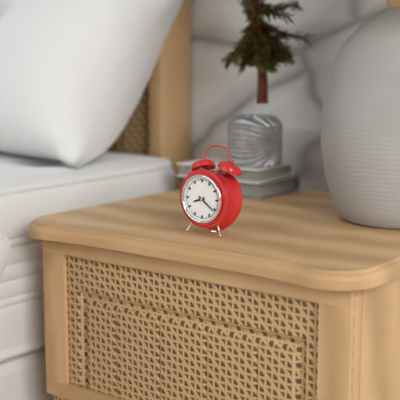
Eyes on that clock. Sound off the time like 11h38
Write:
8h21
